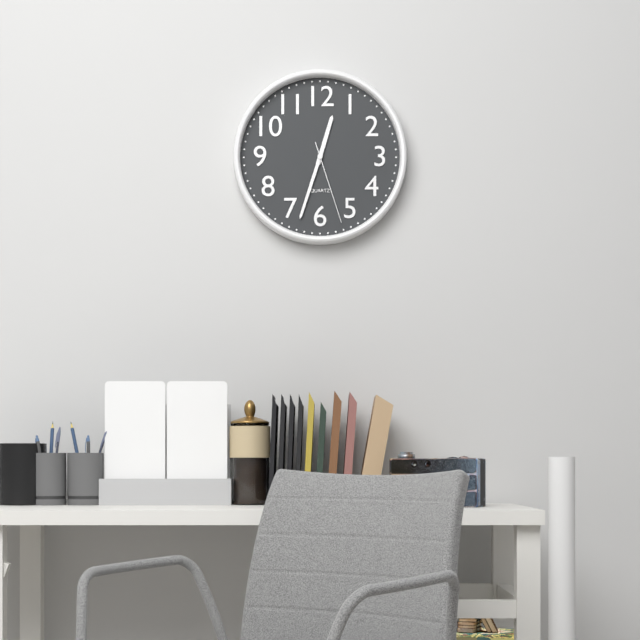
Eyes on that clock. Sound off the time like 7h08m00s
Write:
12h33m27s
